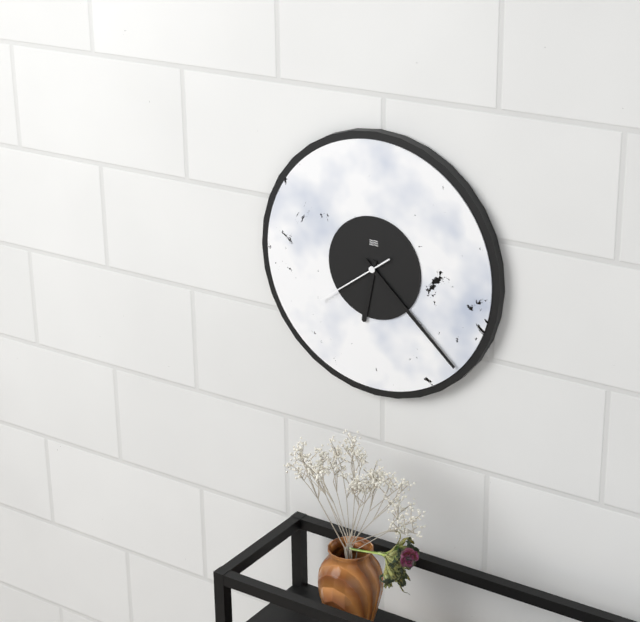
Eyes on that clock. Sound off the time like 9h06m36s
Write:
6h22m39s
